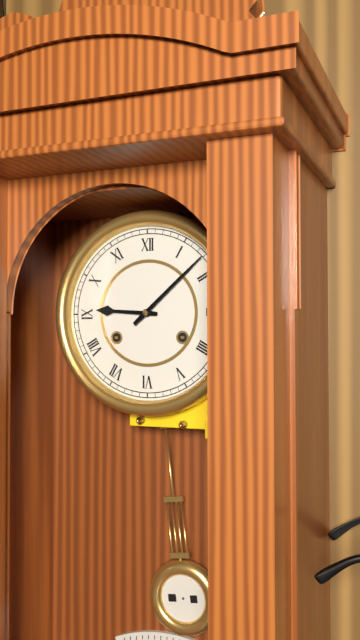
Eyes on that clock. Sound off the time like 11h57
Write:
9h08
